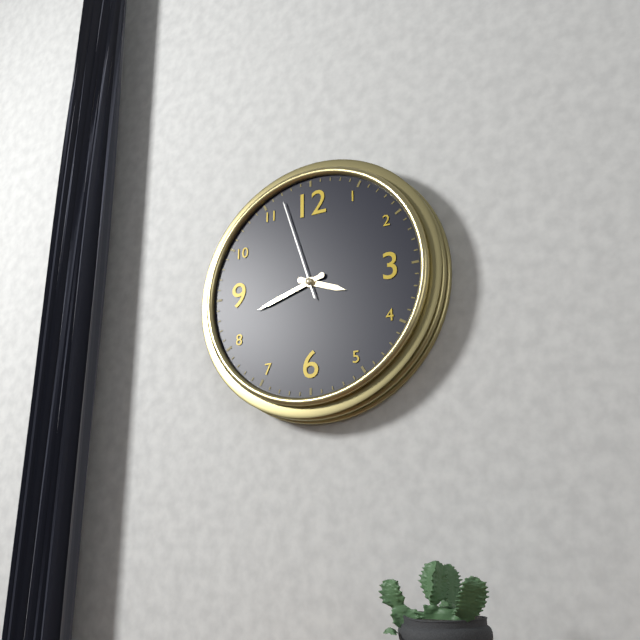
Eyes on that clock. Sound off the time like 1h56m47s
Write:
3h42m57s
